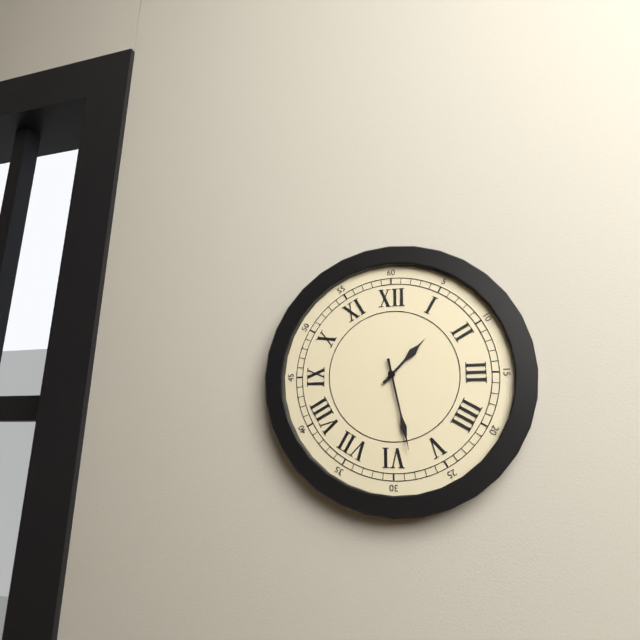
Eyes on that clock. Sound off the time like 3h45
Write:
1h28
